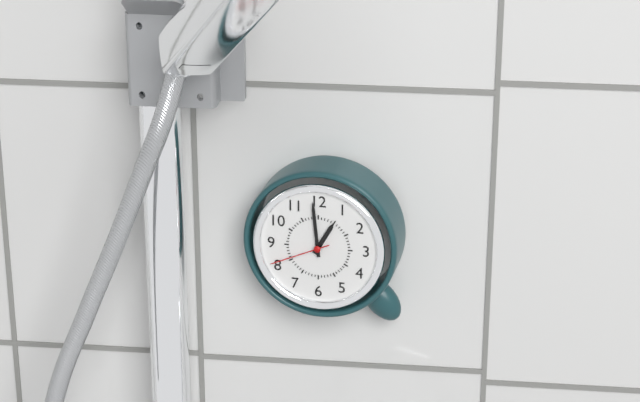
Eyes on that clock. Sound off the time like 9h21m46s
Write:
12h59m41s
